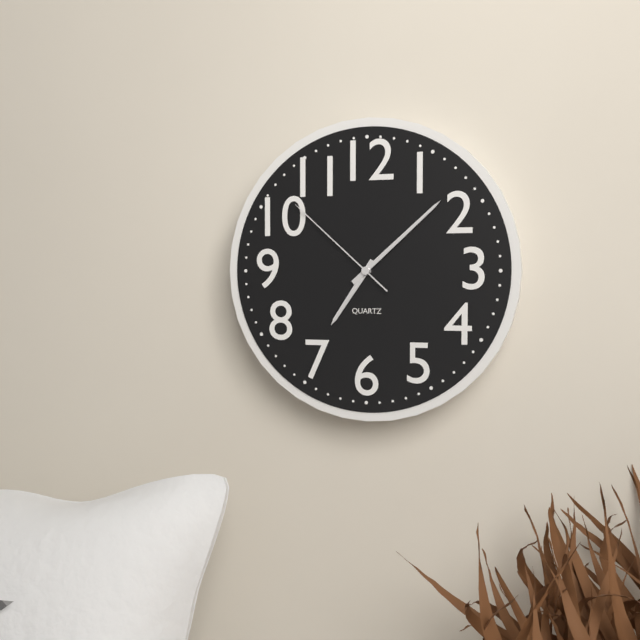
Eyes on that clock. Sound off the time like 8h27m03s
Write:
7h08m52s
